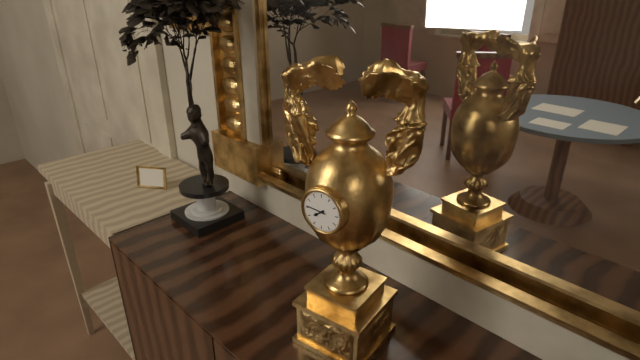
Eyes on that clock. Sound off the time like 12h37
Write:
7h46
